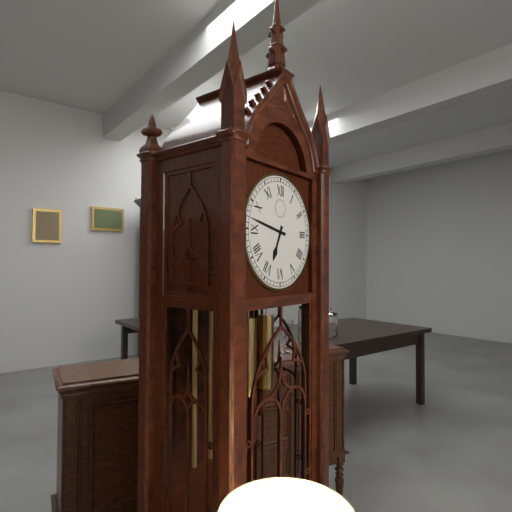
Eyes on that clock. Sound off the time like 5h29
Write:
6h47
